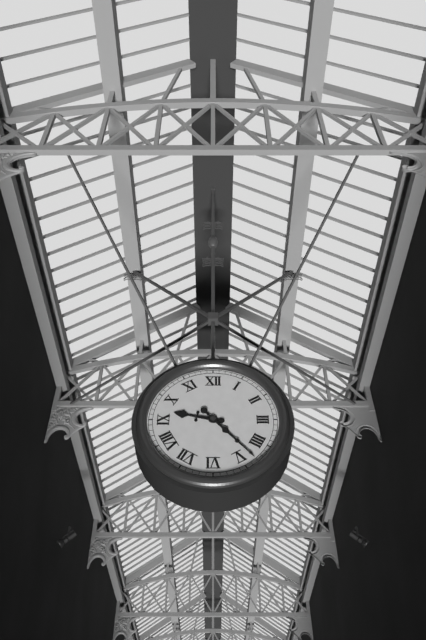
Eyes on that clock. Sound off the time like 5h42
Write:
9h23
